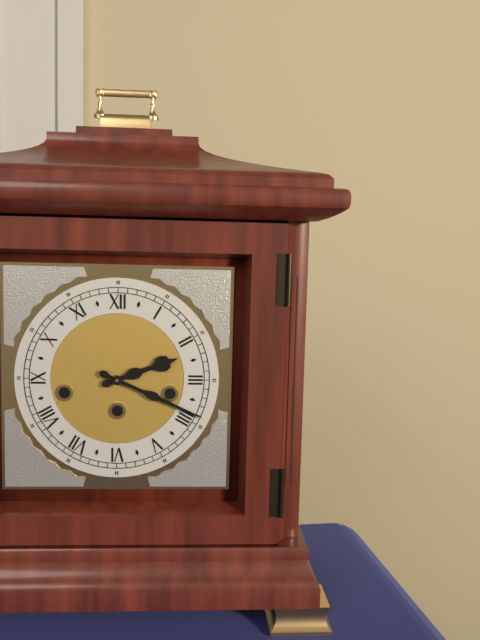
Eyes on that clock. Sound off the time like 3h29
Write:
2h19
